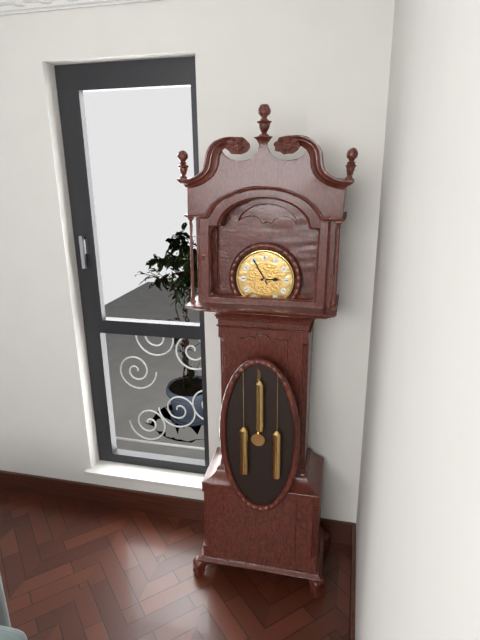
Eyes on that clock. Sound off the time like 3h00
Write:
2h55
